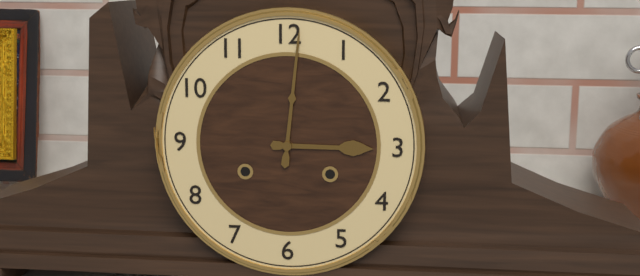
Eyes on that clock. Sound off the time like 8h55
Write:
3h01
